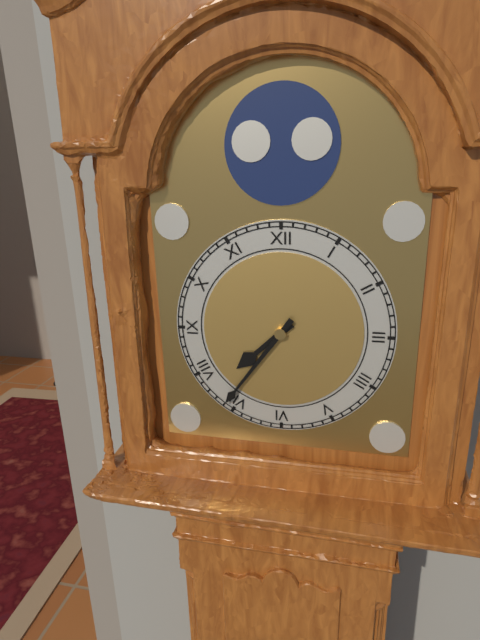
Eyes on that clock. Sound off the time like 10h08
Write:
7h36
